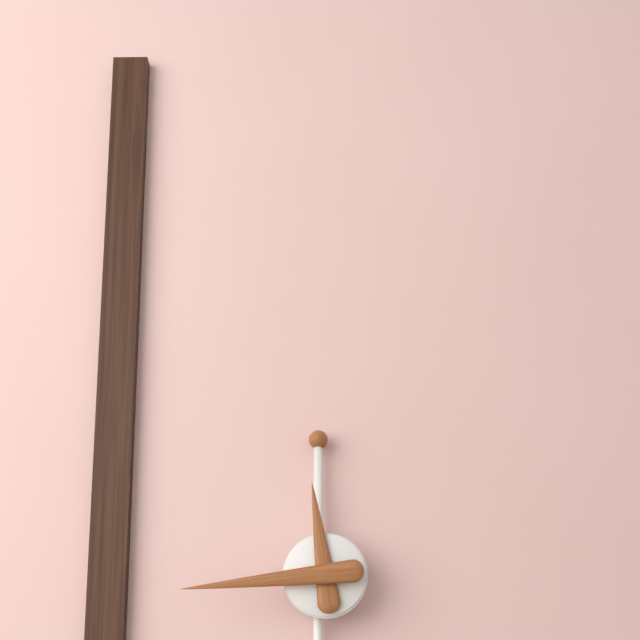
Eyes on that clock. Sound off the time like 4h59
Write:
11h44
